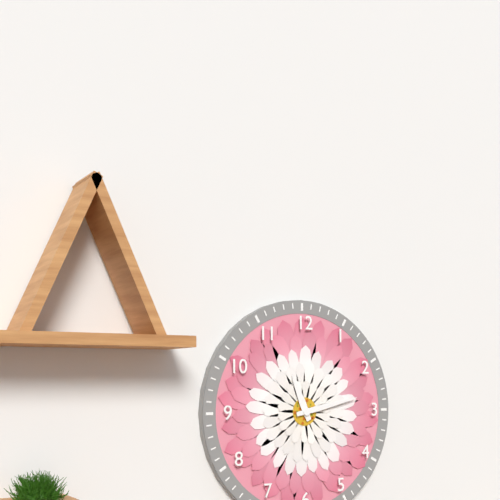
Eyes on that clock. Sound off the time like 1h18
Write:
11h13
